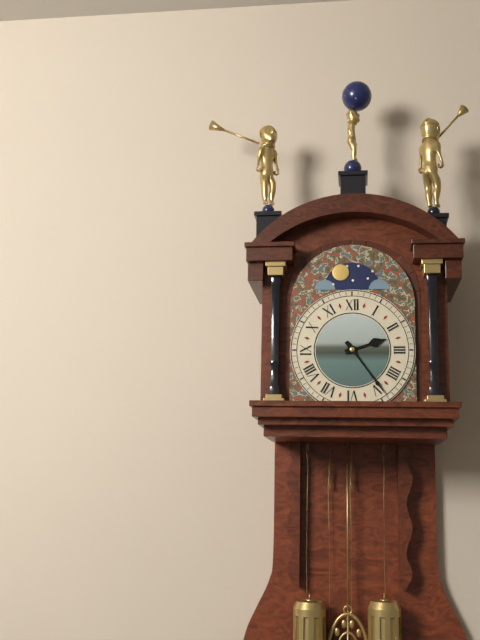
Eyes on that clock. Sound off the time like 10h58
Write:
2h24
